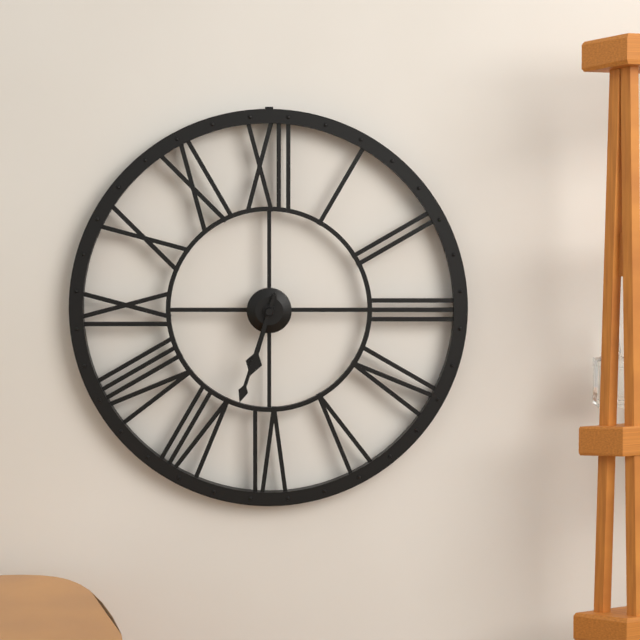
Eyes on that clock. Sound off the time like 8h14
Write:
6h33
